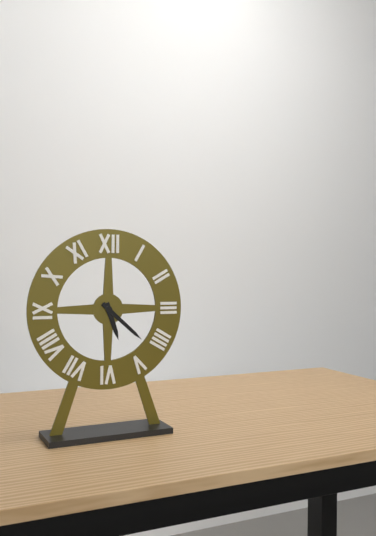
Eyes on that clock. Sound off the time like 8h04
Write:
5h22
